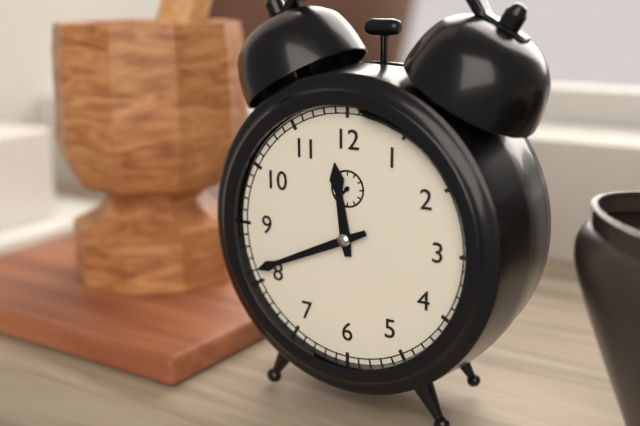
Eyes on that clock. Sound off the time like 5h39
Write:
11h41
